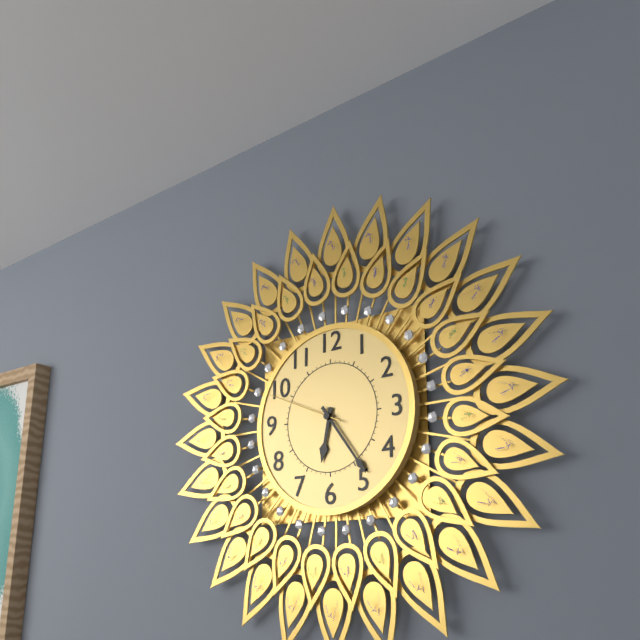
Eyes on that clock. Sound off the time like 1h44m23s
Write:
6h24m49s
